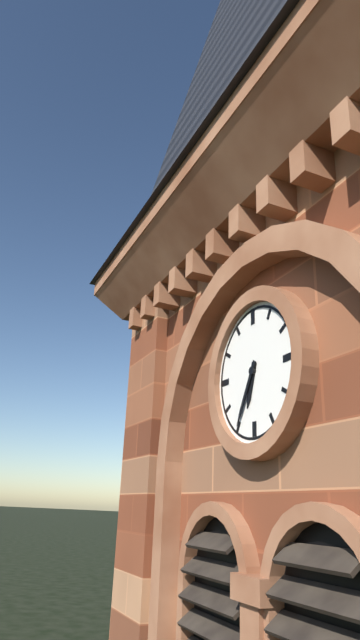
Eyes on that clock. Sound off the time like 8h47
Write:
6h35
